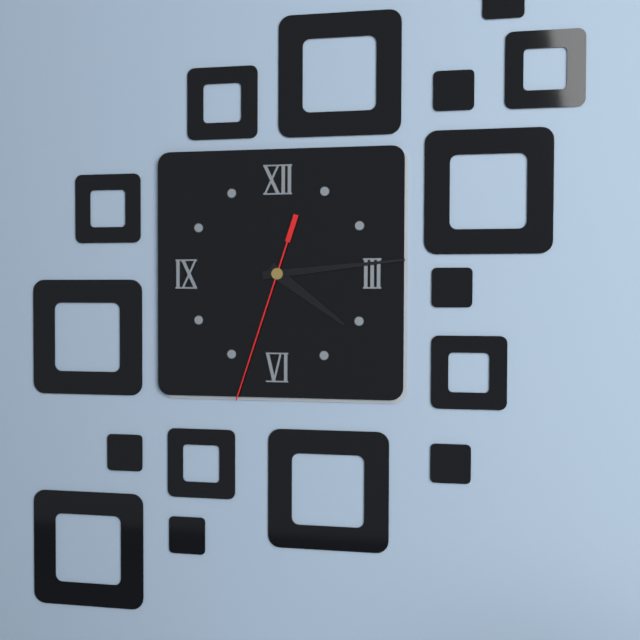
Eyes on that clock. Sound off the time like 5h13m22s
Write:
4h14m33s
